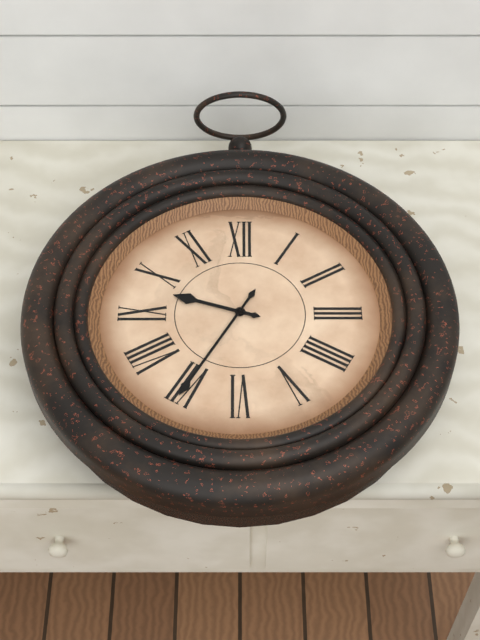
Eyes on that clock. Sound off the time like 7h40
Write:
9h35
